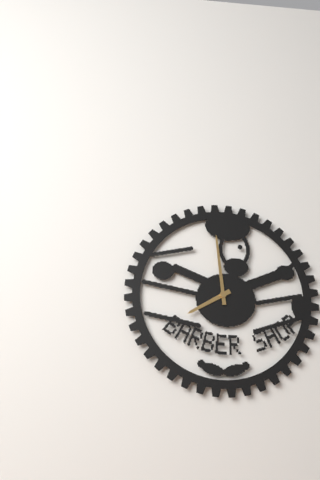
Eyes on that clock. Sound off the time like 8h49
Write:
7h59
